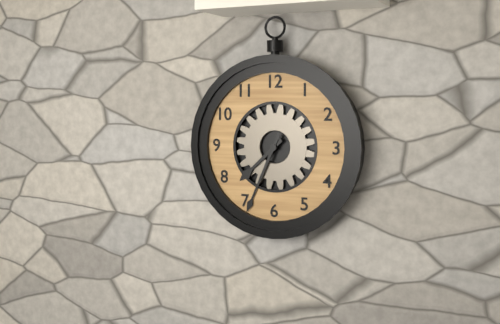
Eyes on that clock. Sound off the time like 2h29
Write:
7h34
